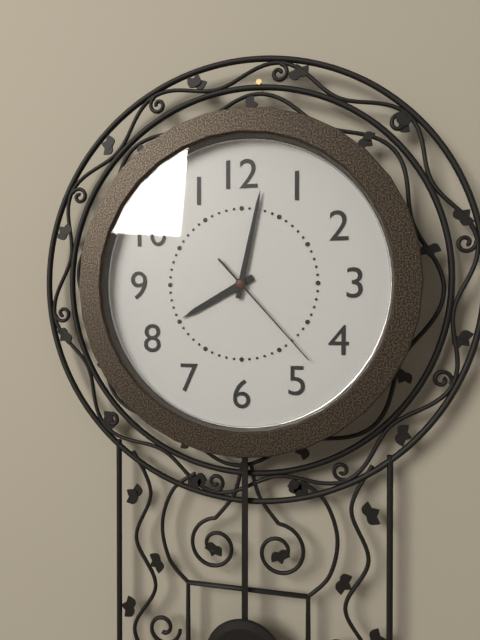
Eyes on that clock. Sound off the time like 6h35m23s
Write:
8h02m23s
